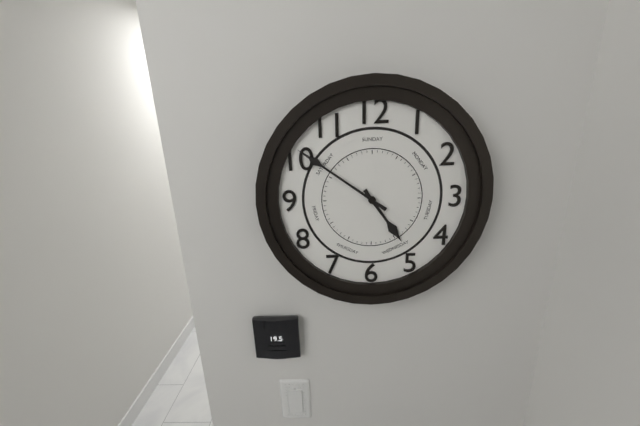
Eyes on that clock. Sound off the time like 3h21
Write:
4h51
